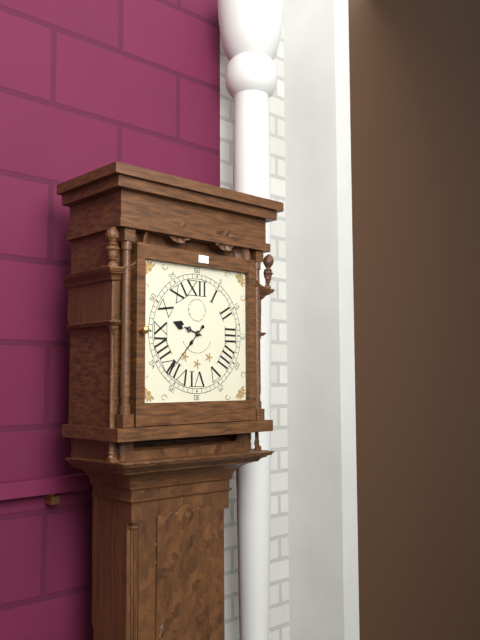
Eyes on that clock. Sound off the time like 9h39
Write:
9h37
